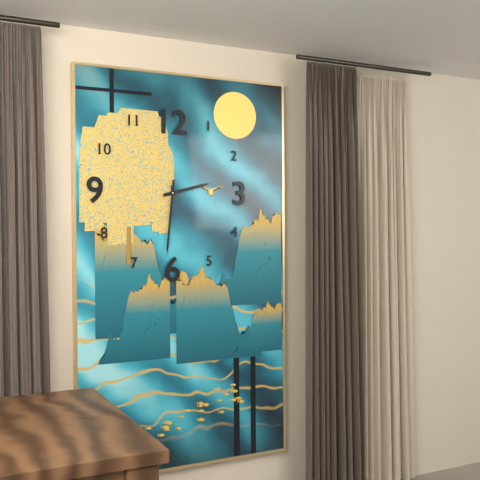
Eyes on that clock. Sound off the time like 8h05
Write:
2h31
